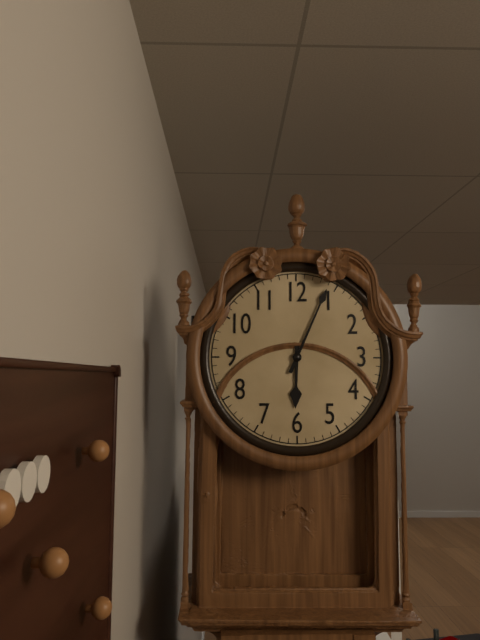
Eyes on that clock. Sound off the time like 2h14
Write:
6h04
